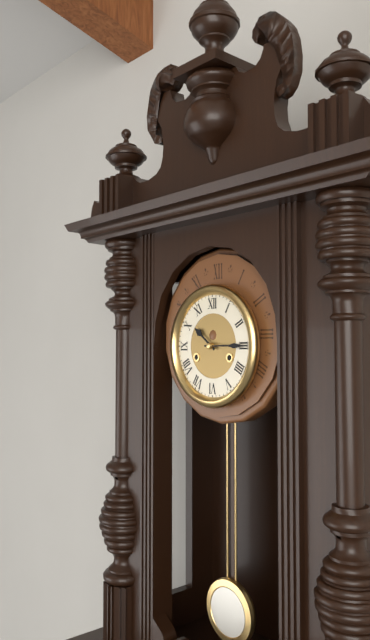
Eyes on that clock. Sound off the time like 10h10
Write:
10h15
